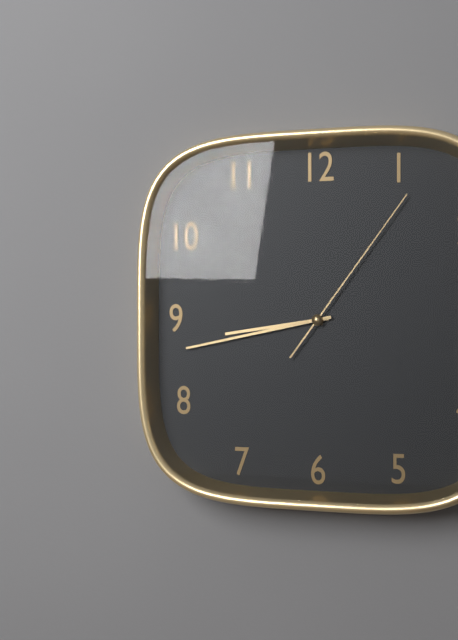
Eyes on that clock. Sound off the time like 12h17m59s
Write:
8h43m06s
